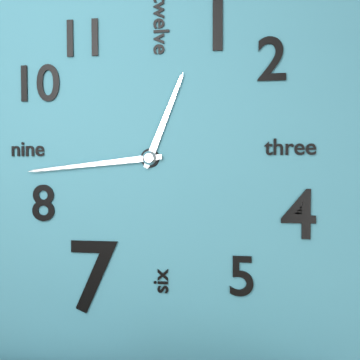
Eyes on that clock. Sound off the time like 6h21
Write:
12h44
